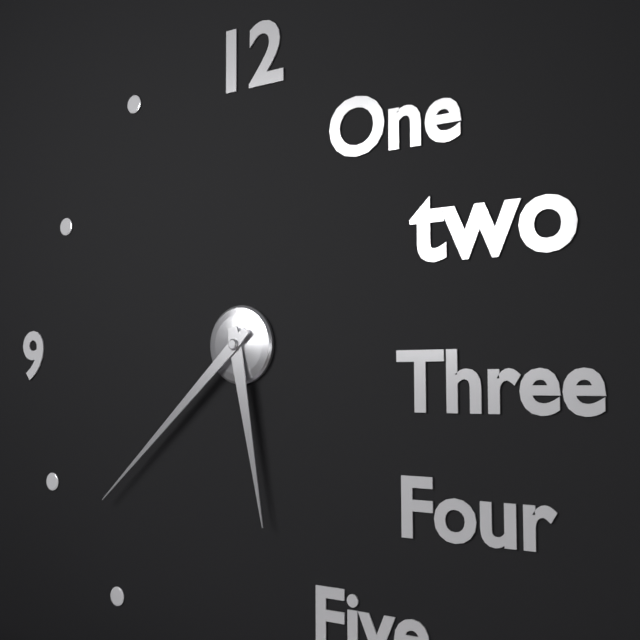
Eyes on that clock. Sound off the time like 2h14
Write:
5h38
